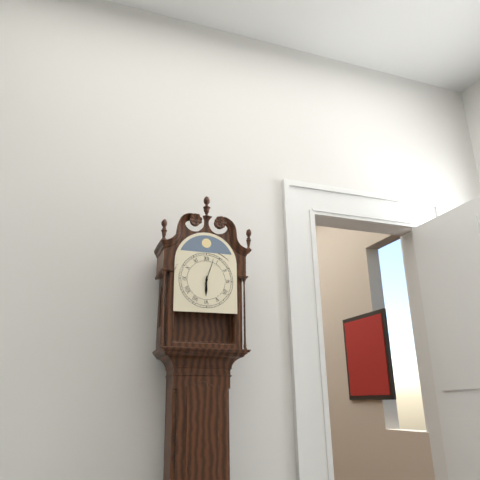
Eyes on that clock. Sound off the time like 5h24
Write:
6h03
